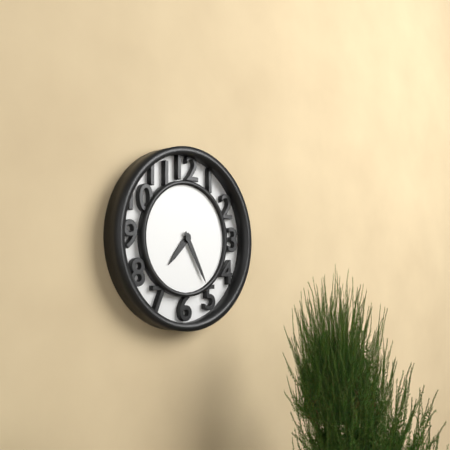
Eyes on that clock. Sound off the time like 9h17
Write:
7h25
